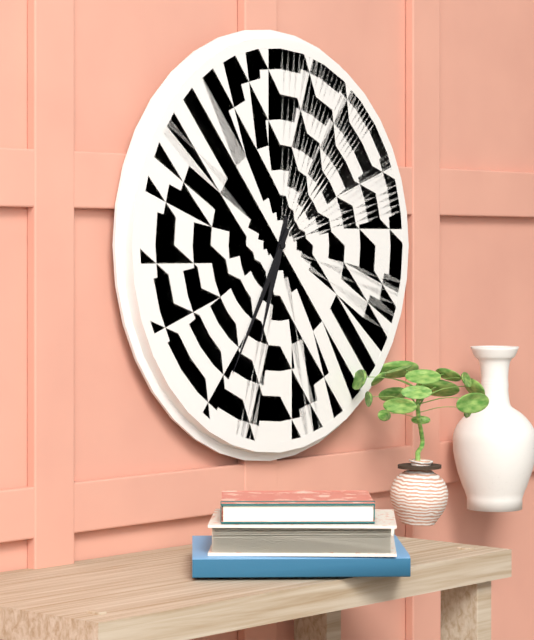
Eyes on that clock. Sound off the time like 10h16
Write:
6h35
